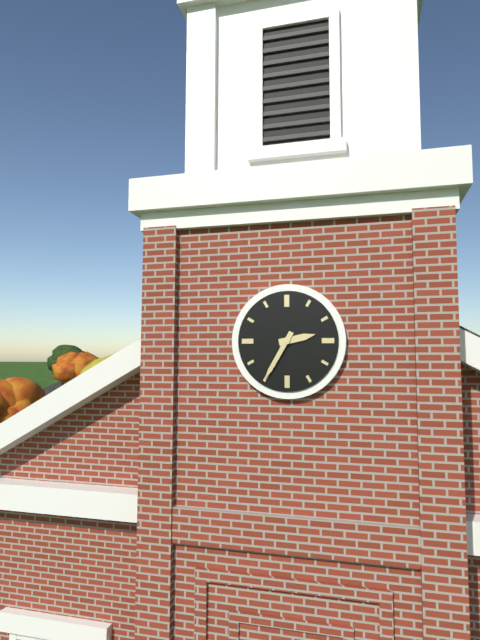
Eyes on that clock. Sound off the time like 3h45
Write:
2h35
